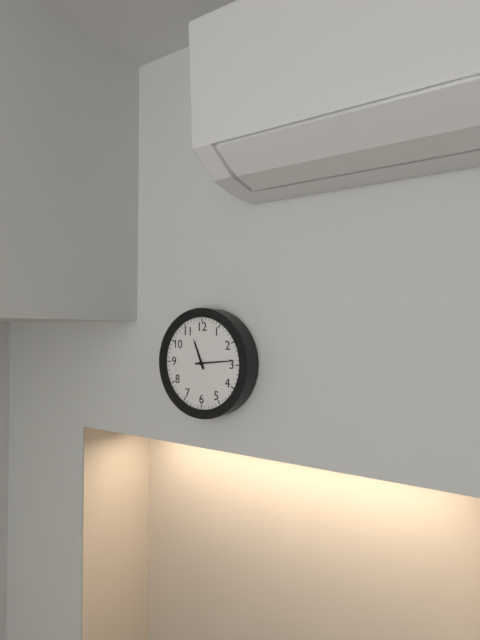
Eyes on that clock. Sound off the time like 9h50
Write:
11h14
